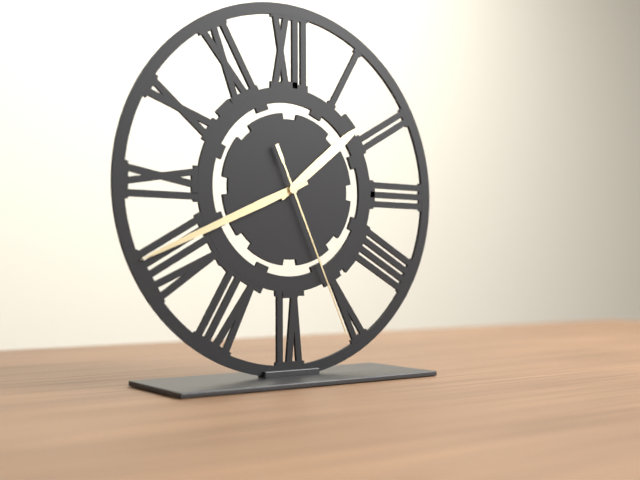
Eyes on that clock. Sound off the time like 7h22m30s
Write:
1h41m26s
